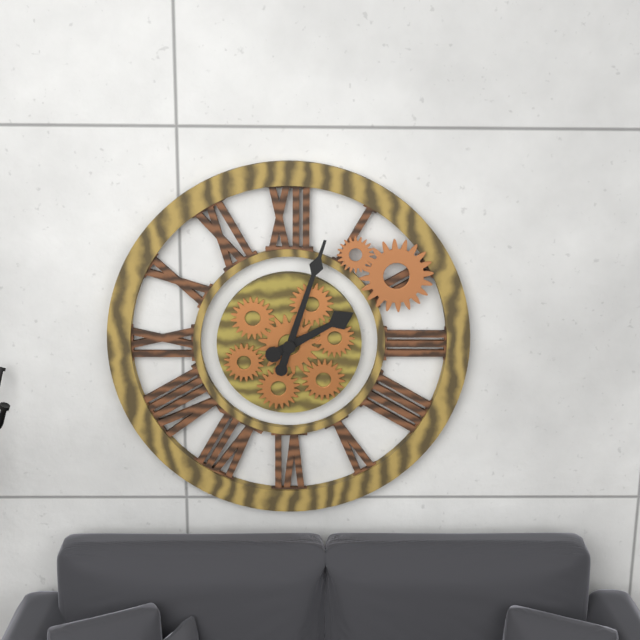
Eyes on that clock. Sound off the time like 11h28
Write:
2h03
